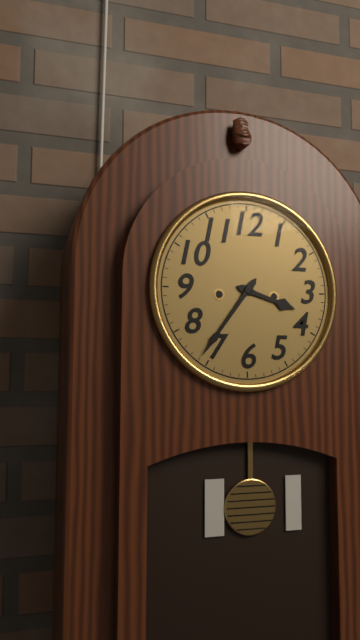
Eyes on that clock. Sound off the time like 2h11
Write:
3h36
